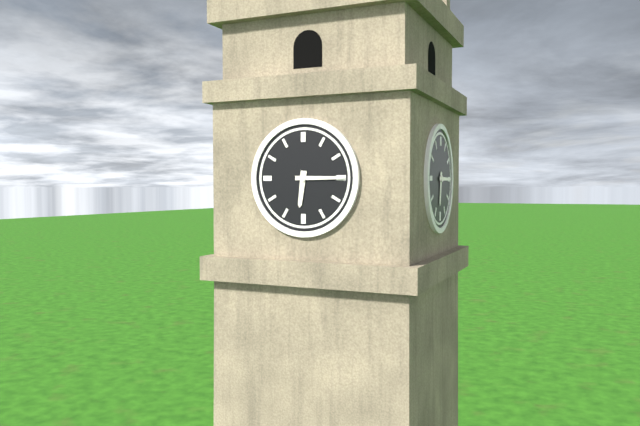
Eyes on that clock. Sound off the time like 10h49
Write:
6h15
